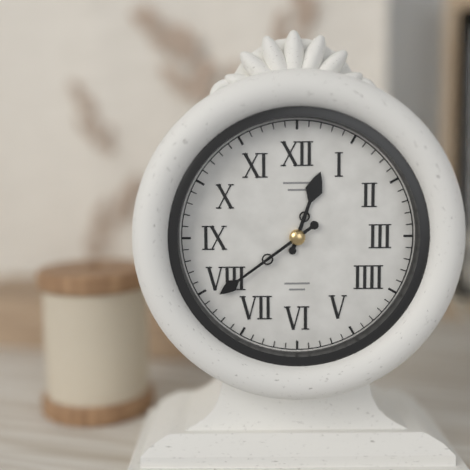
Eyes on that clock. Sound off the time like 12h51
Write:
12h39
